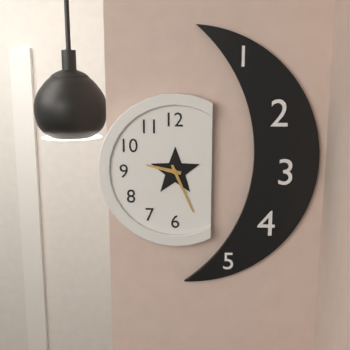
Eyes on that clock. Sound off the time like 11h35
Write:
9h26
